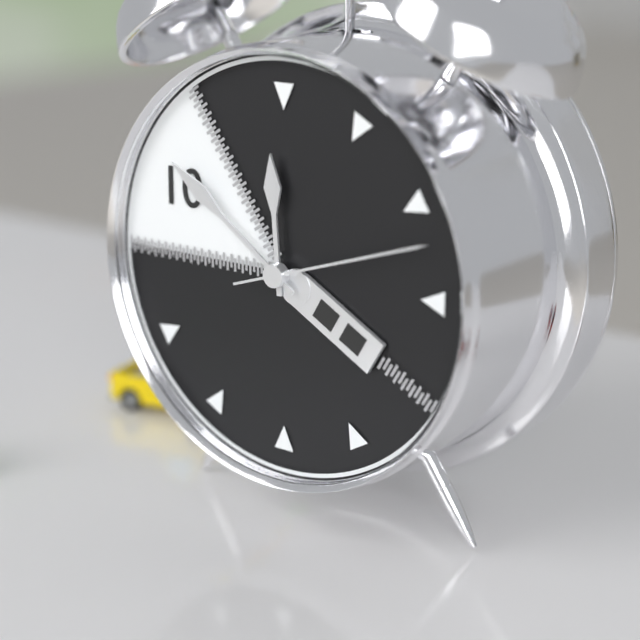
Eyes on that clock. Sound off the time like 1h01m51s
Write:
11h51m12s
